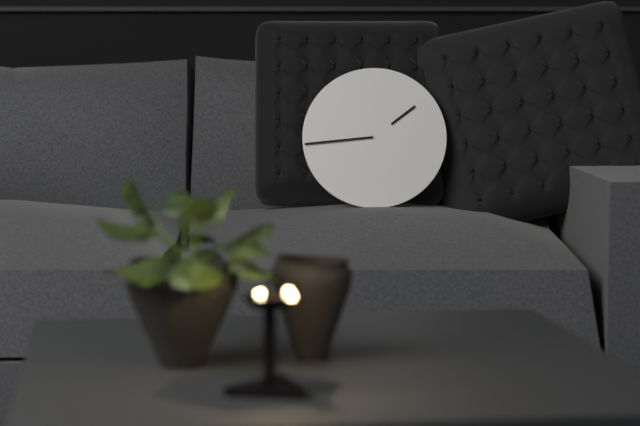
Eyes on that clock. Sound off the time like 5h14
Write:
1h44
